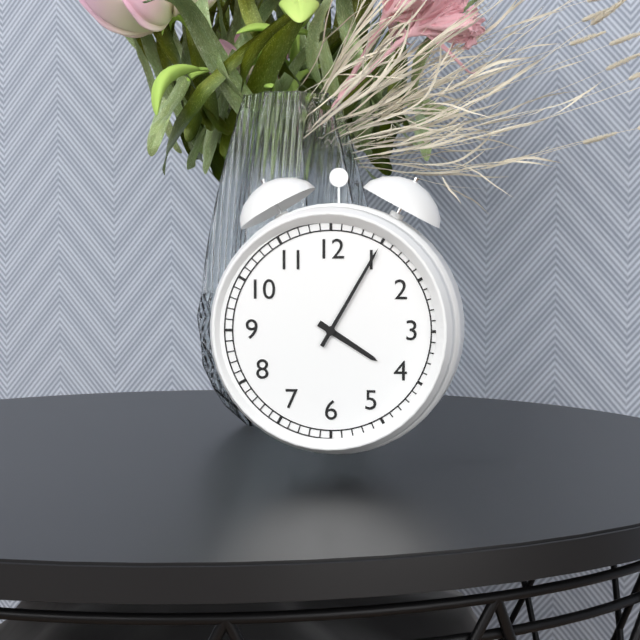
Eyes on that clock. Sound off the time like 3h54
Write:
4h05
